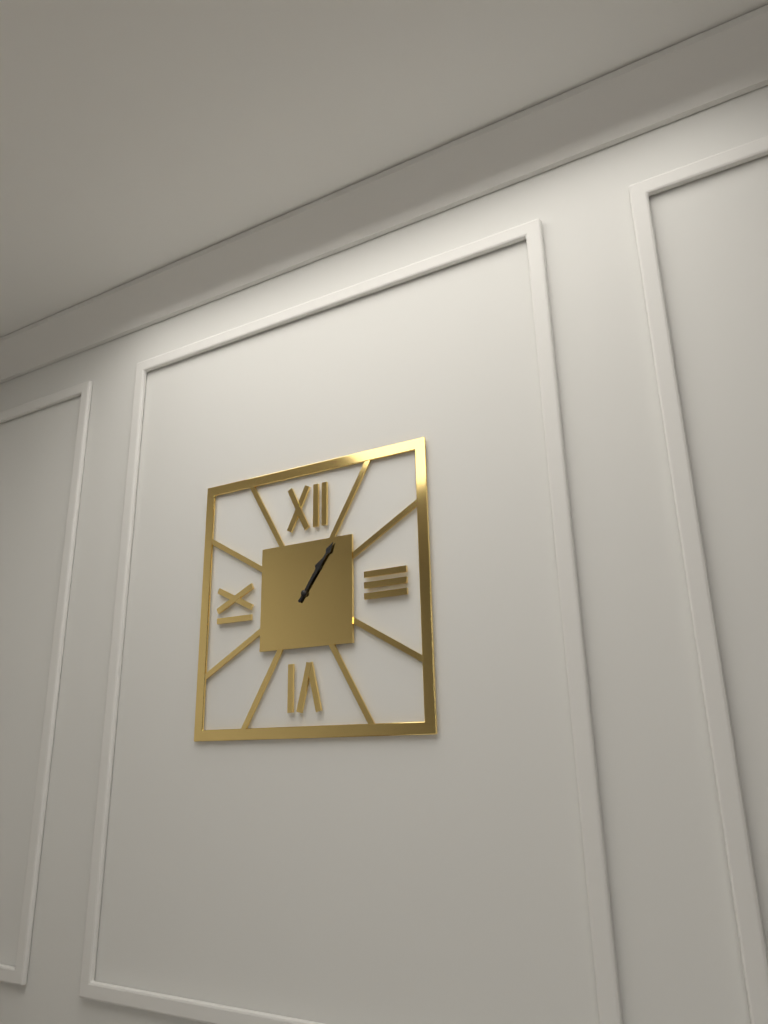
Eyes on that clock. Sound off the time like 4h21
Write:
1h06
